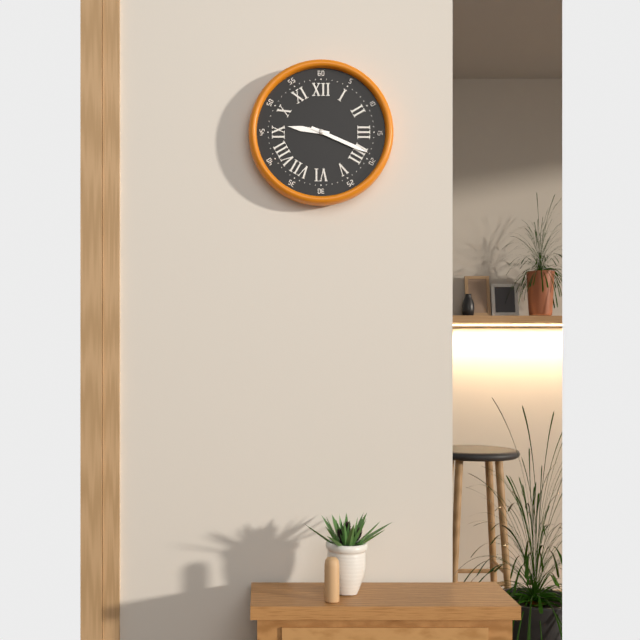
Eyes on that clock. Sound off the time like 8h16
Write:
9h19
